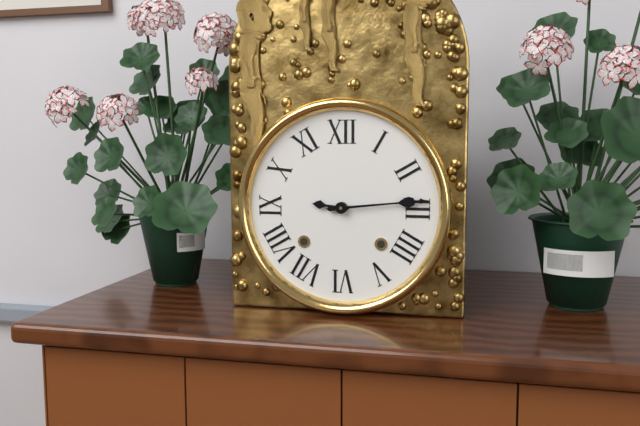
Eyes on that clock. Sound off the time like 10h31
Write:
9h14
